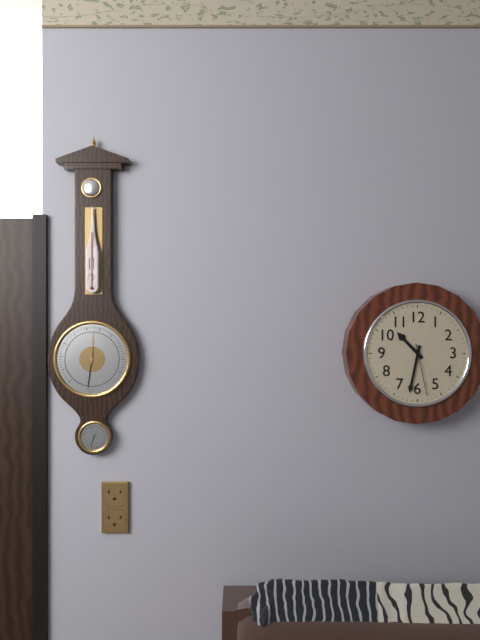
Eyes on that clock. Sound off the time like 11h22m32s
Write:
10h32m28s
